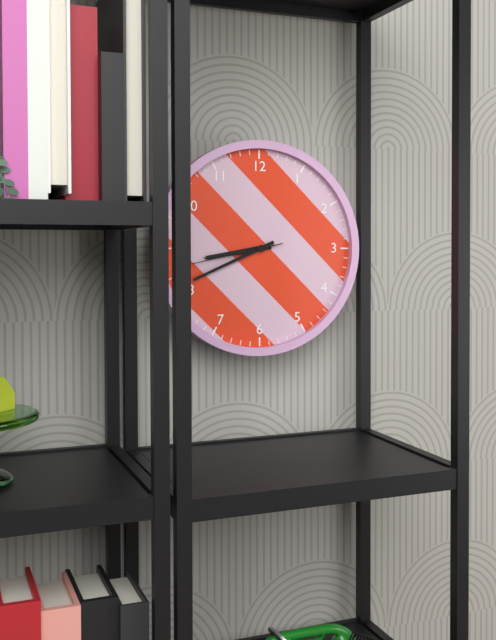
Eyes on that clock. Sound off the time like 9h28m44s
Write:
8h41m43s
